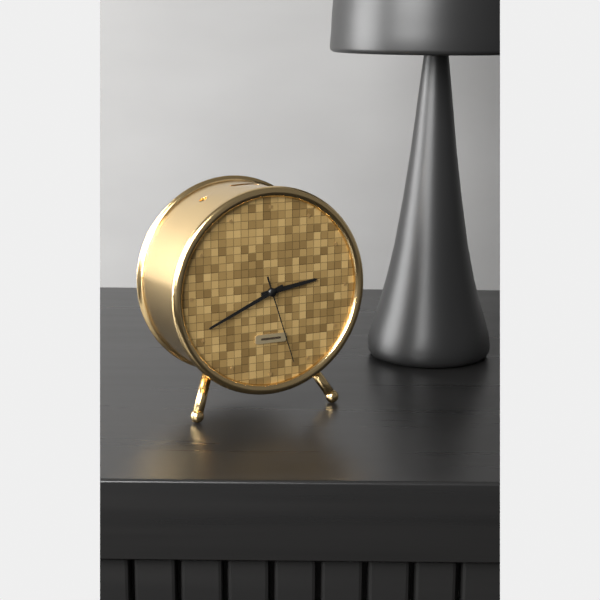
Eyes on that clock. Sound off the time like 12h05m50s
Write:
2h41m27s
